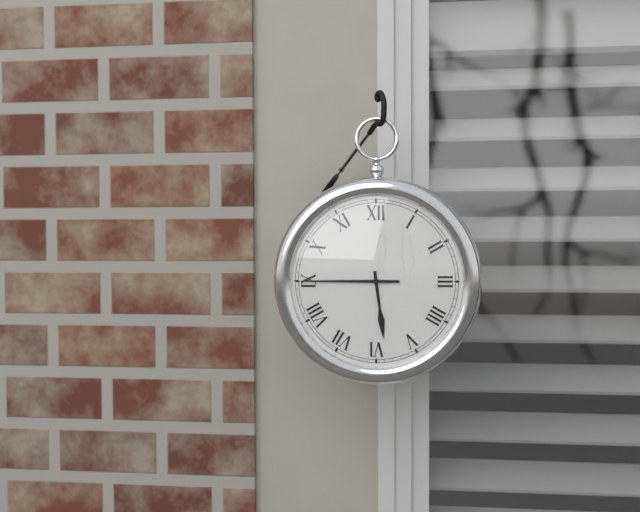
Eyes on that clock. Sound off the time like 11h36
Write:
5h45
